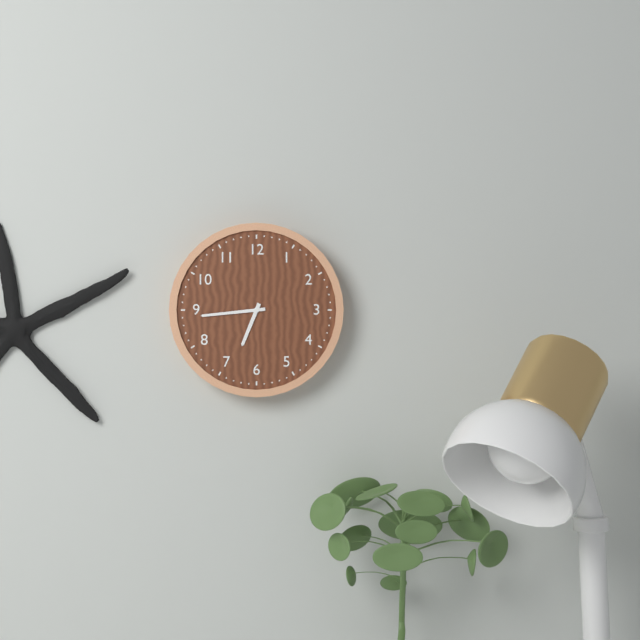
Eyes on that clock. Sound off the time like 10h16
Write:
6h44
